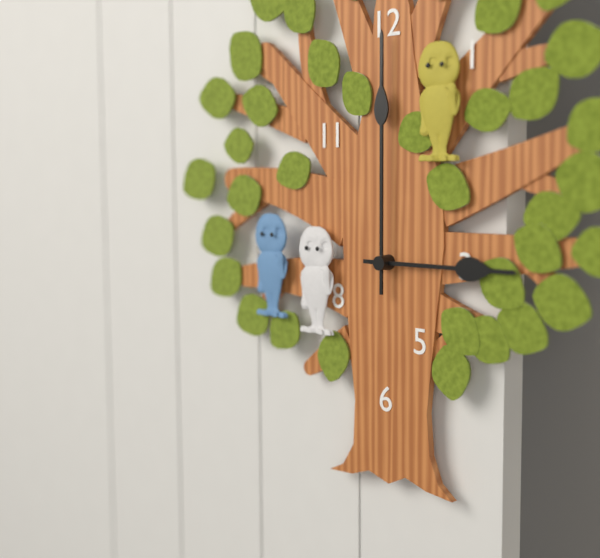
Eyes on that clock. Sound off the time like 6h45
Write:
3h00
